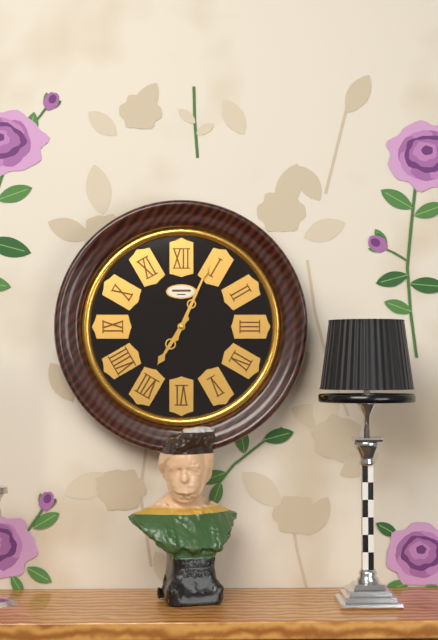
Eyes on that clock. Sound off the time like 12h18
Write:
7h04
